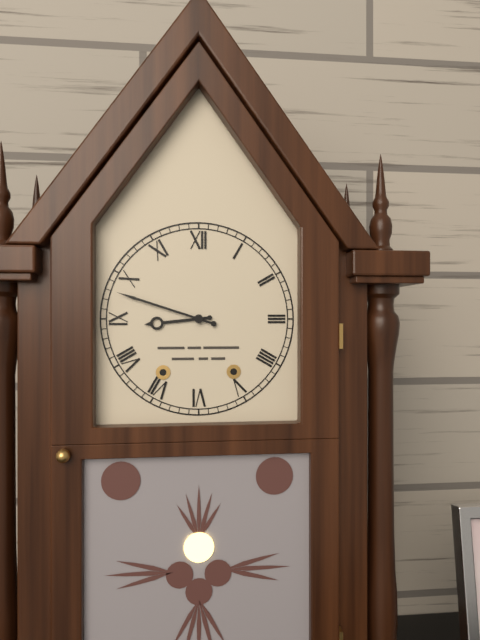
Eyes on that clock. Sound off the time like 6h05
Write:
8h48
